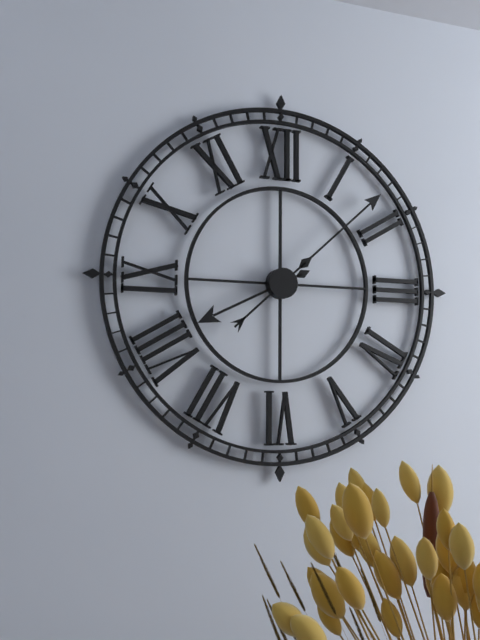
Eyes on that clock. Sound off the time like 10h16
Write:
8h08
